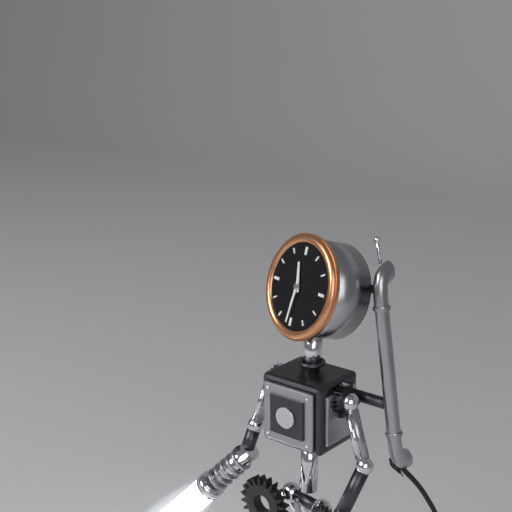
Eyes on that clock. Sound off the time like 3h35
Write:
11h31
